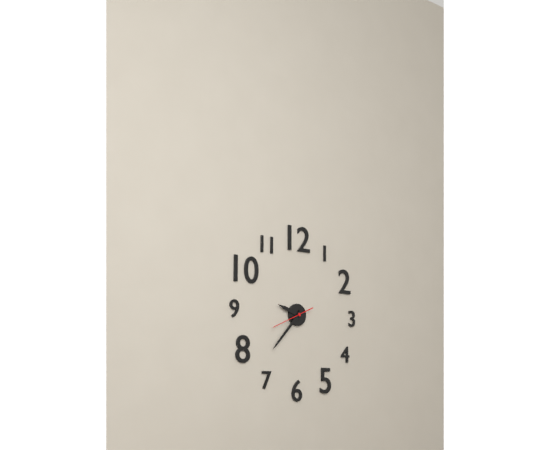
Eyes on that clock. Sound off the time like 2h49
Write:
9h37
